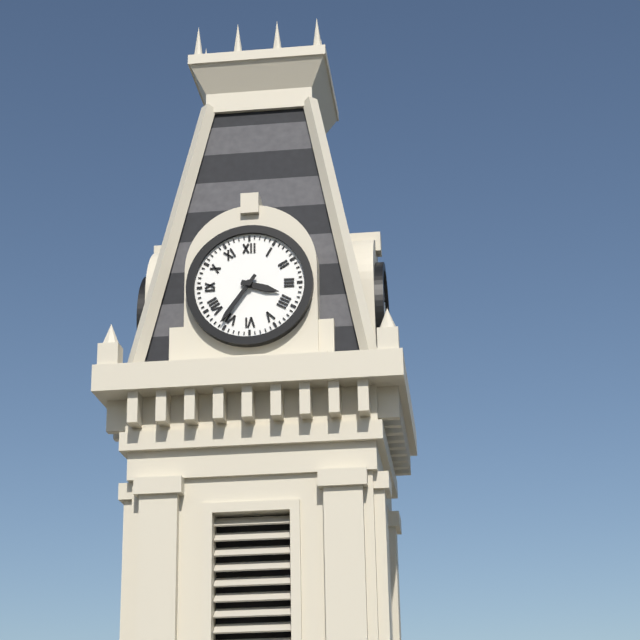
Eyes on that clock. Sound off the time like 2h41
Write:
3h36
